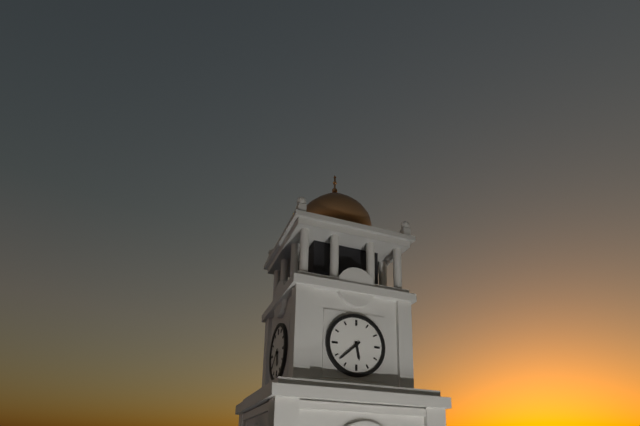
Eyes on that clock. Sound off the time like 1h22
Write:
5h38
